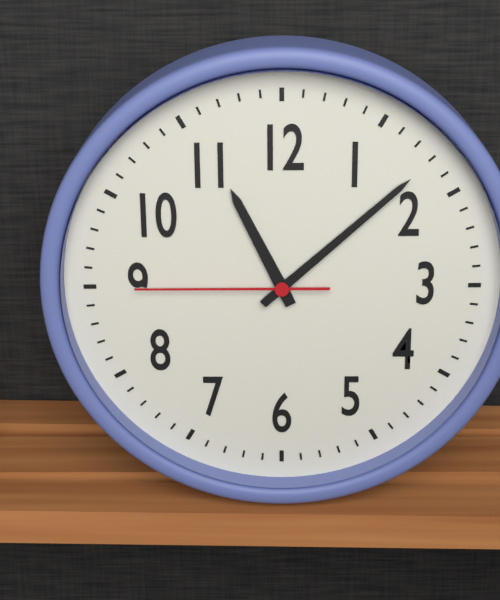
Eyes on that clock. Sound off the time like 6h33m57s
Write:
11h08m45s
